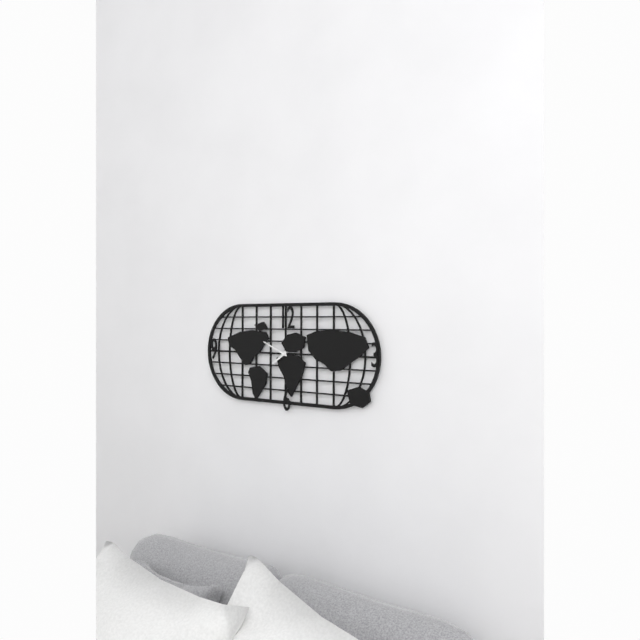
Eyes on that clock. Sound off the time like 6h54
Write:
7h49
